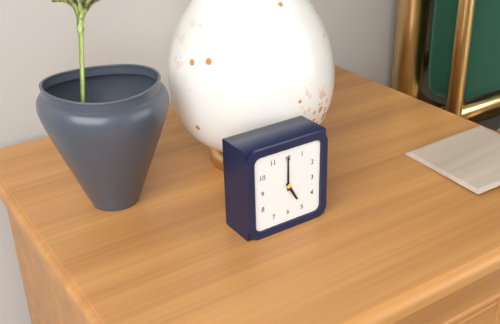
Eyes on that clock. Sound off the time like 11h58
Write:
5h00
